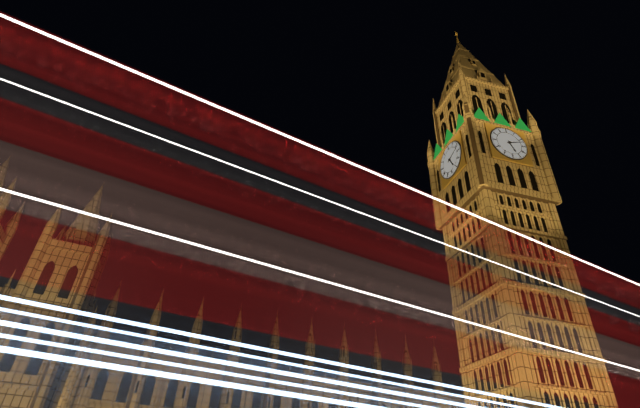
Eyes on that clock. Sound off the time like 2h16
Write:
5h12
